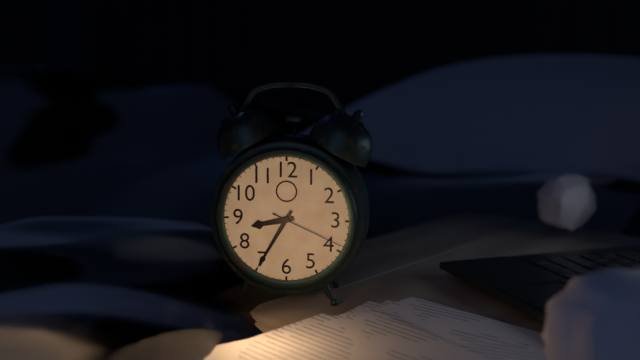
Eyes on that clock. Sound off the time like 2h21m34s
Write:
8h35m19s
